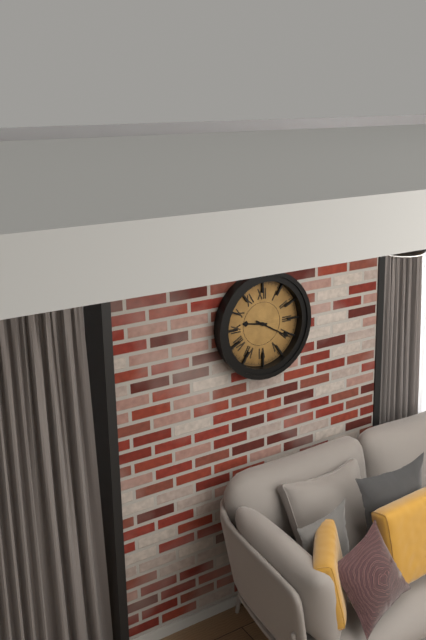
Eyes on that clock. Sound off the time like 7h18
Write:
9h20
